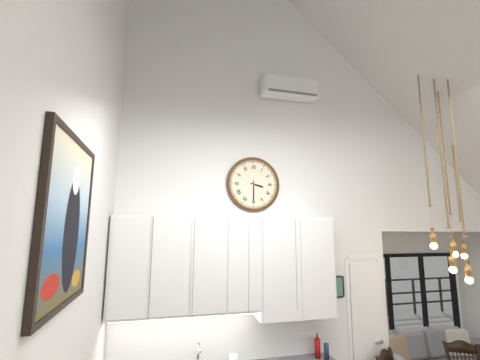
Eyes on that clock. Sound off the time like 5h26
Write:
3h30
